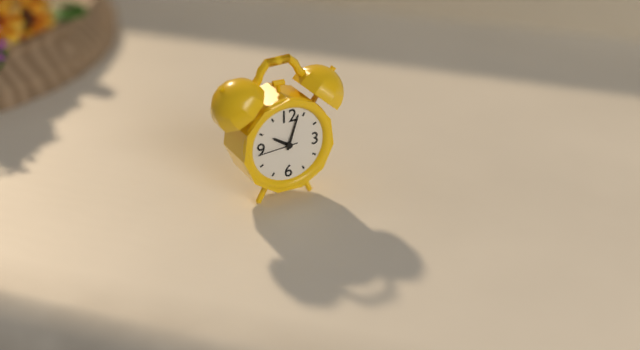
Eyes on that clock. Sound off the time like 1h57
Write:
10h03
